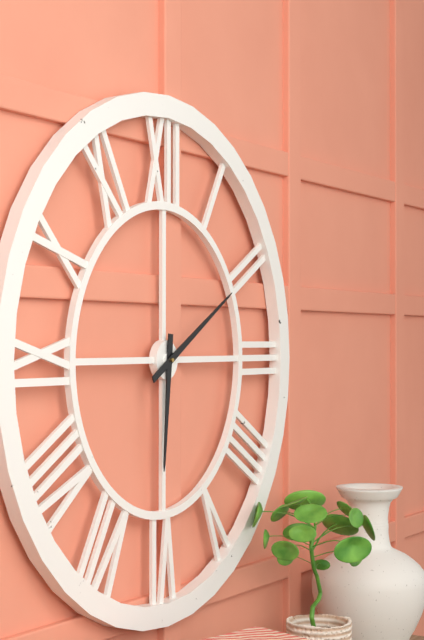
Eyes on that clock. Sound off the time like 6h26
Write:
6h10
